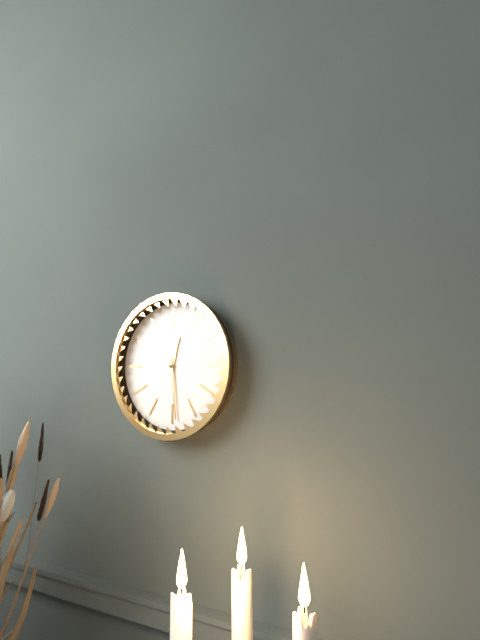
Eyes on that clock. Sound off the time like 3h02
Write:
12h29
